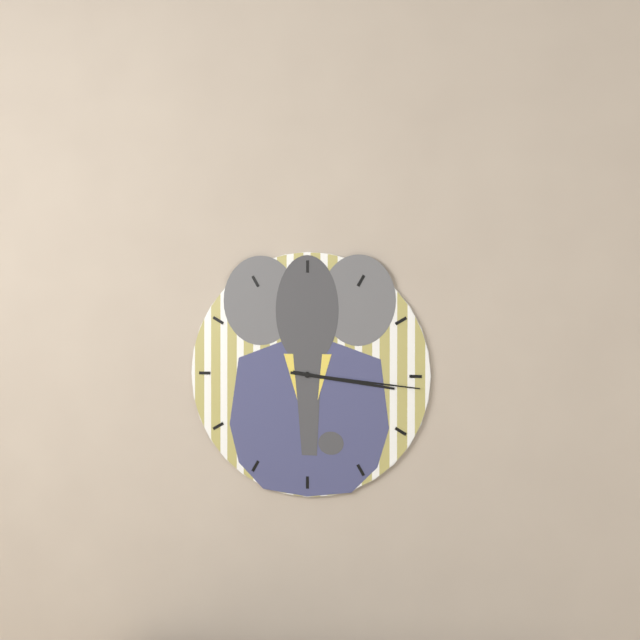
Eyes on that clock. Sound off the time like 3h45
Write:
3h16
